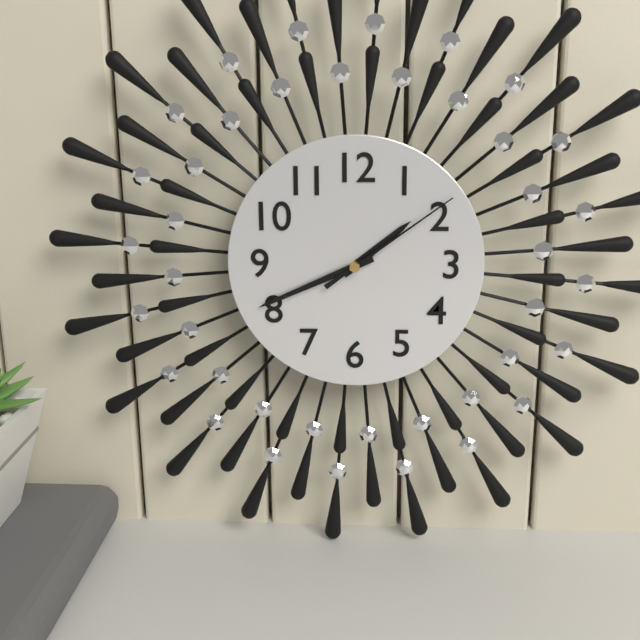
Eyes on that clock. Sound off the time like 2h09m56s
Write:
1h41m09s
